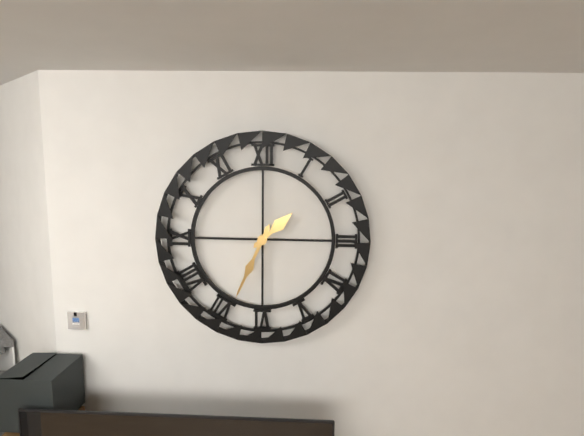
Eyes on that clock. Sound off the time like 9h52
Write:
1h34
